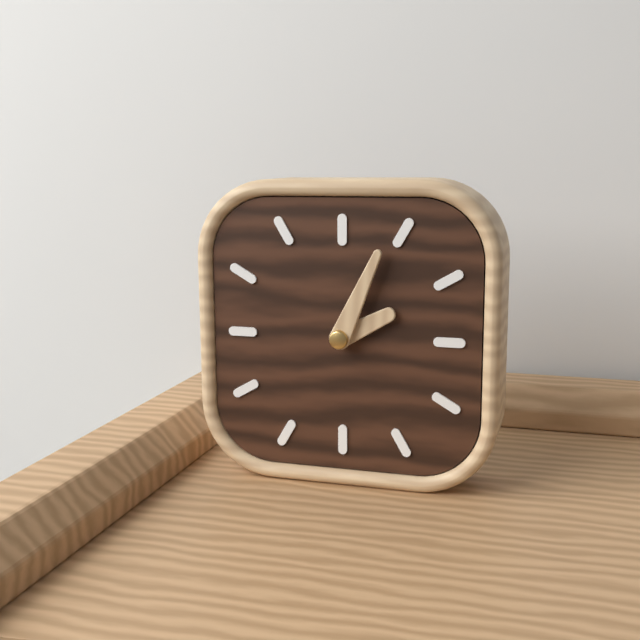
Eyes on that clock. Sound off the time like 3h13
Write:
2h04
